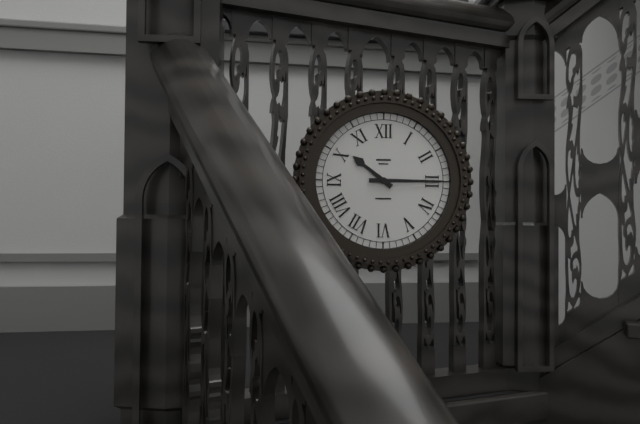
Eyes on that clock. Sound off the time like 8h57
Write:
10h15
